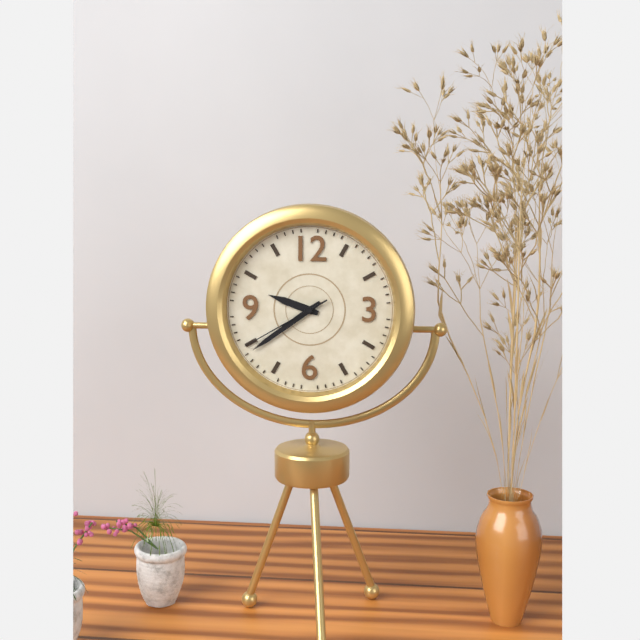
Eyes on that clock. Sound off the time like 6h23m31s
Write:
9h39m40s
